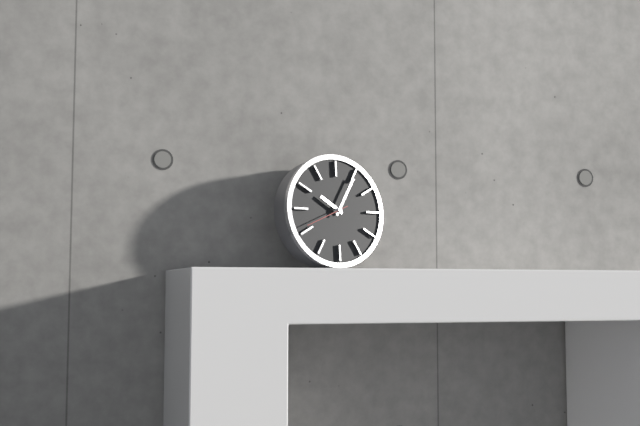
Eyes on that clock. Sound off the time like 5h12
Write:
10h05
